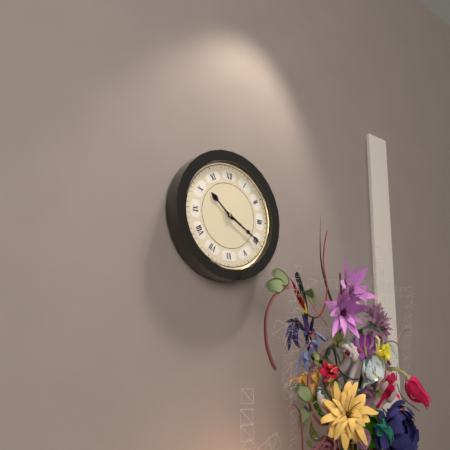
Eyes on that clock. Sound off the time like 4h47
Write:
10h20
